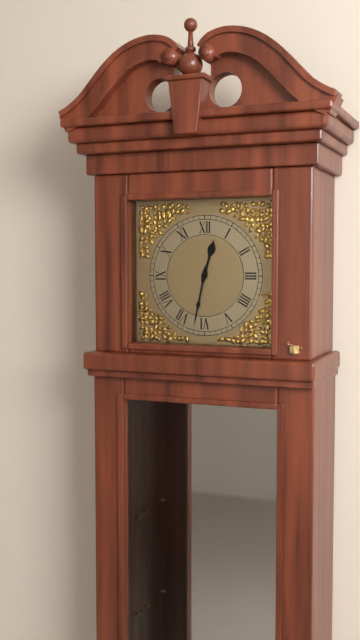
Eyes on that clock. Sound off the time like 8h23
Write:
12h32
